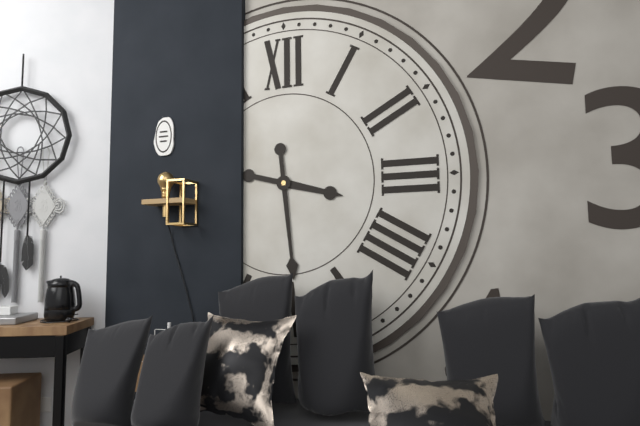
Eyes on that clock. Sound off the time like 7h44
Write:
3h29
